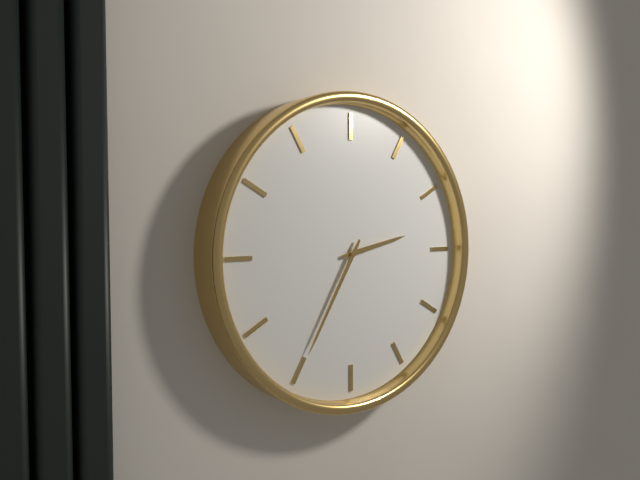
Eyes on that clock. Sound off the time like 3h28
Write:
2h35
